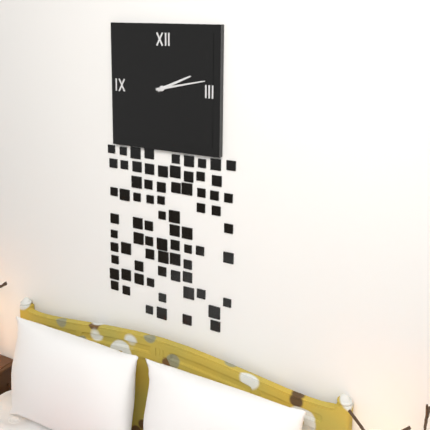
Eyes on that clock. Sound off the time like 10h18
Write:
2h13
